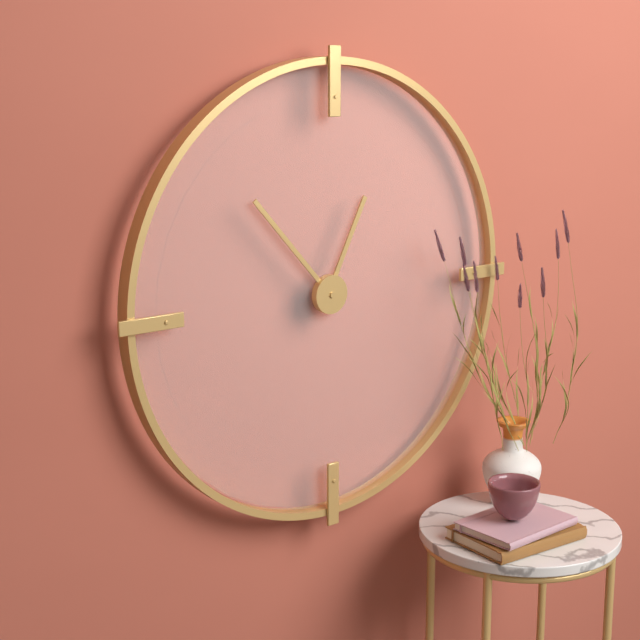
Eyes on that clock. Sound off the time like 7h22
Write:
12h53
